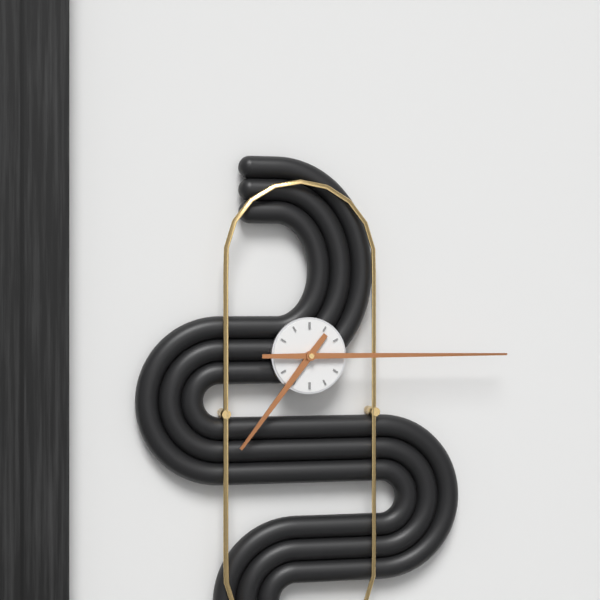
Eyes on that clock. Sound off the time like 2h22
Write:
7h15
